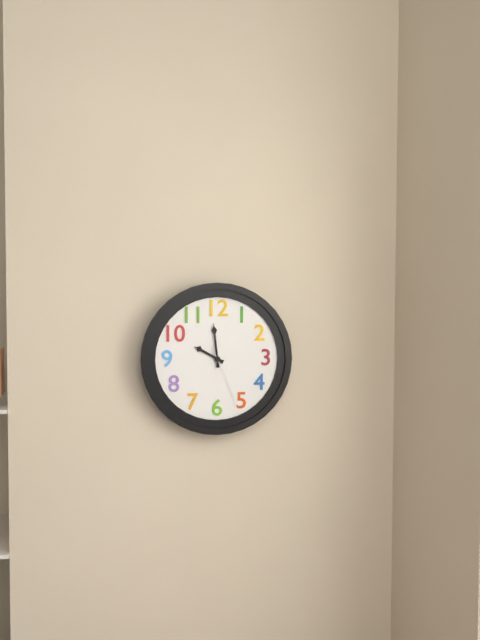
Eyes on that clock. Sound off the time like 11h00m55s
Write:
9h59m26s
